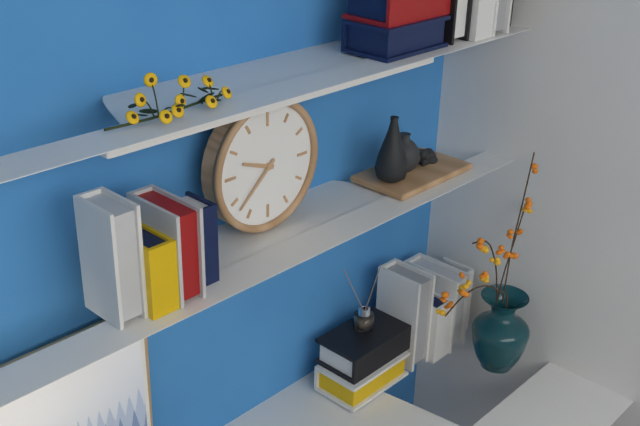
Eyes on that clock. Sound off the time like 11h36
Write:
9h38
